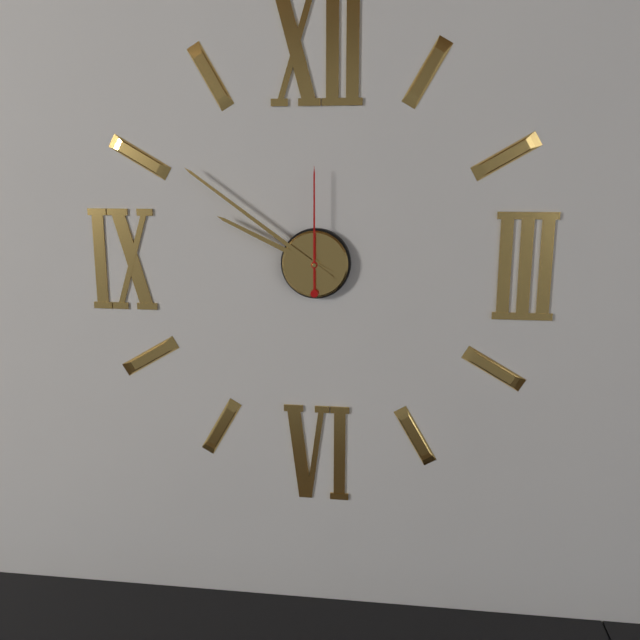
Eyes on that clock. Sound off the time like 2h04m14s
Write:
9h51m00s
